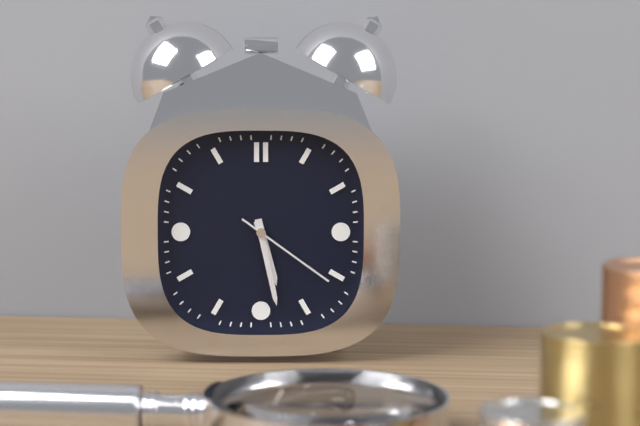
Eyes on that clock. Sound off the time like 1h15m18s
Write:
5h28m21s
